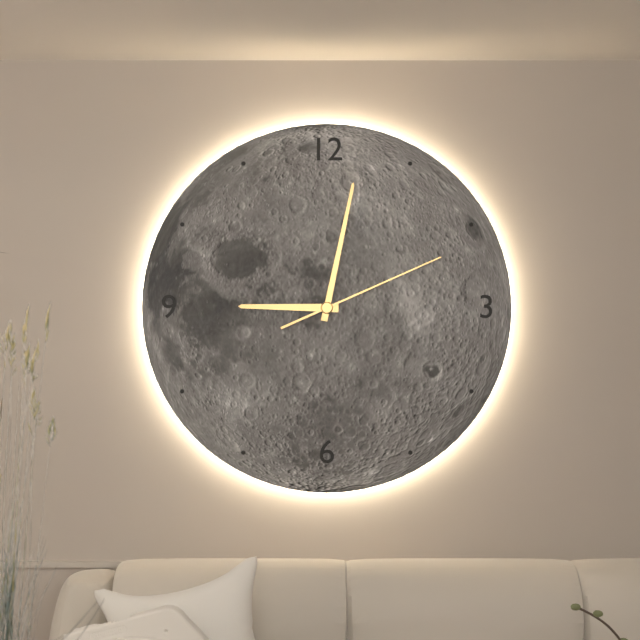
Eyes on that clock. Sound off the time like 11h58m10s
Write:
9h02m11s
